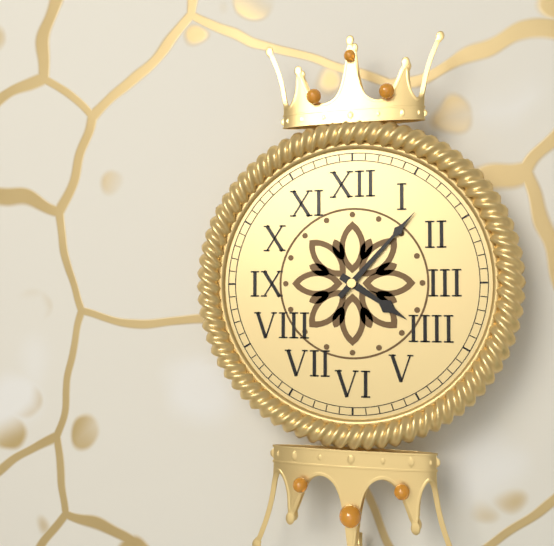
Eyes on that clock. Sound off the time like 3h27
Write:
4h07
